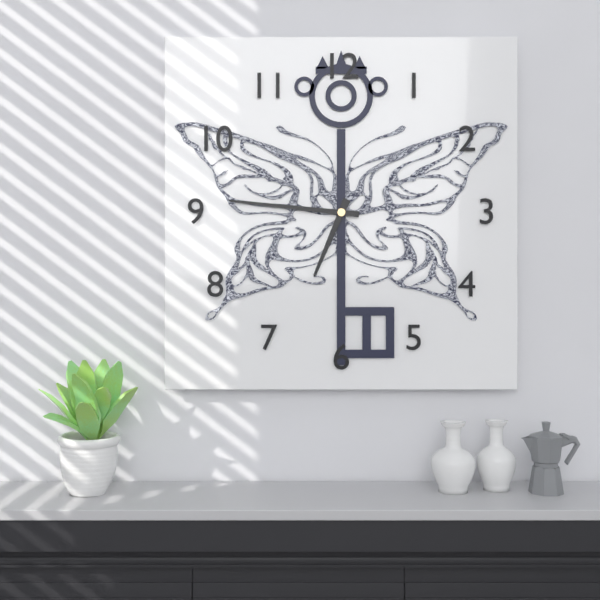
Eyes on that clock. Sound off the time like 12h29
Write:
6h46
